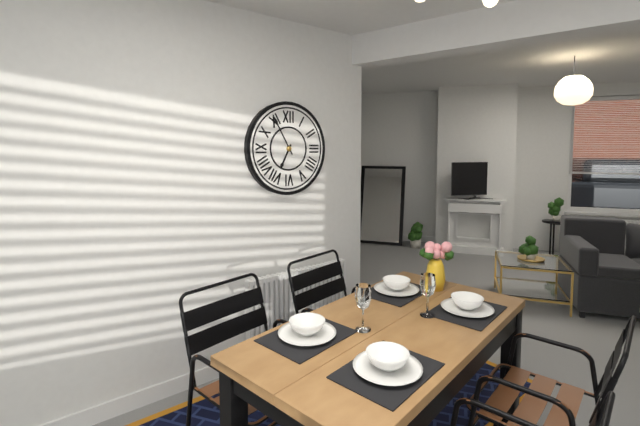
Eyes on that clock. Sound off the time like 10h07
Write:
6h55
